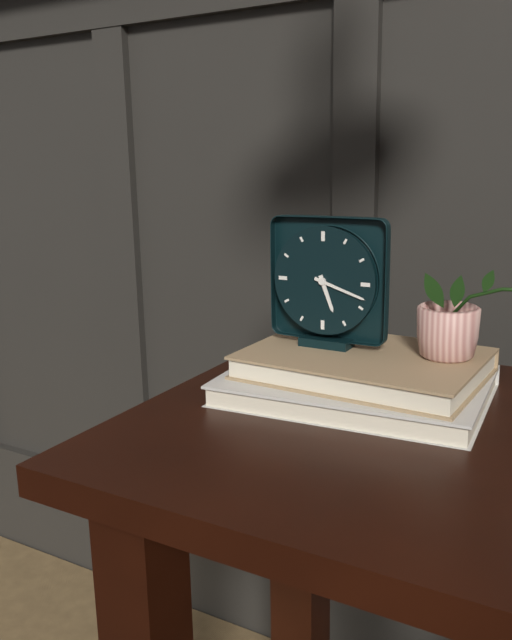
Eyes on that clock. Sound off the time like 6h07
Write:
5h18
